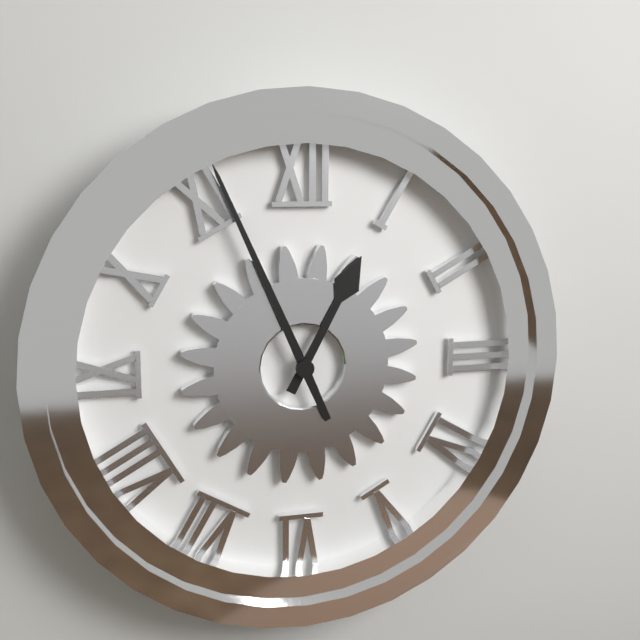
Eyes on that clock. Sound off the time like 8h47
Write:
12h56
